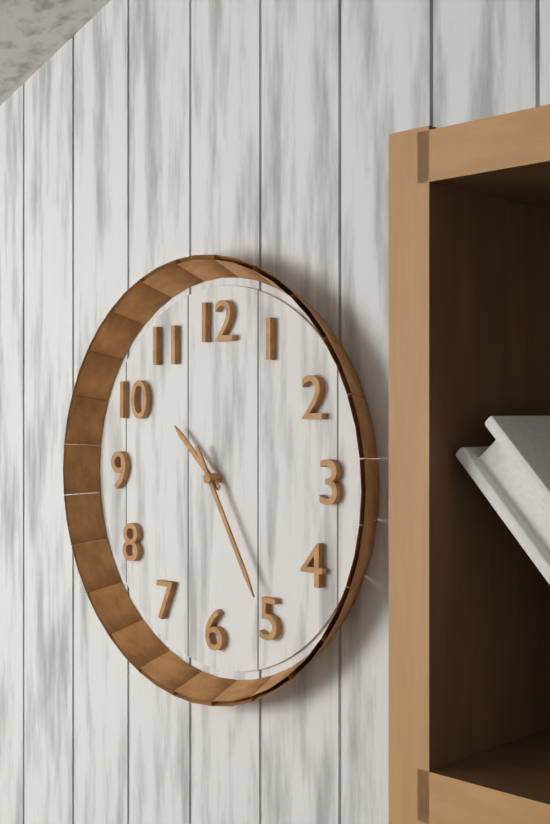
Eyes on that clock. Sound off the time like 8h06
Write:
10h25
